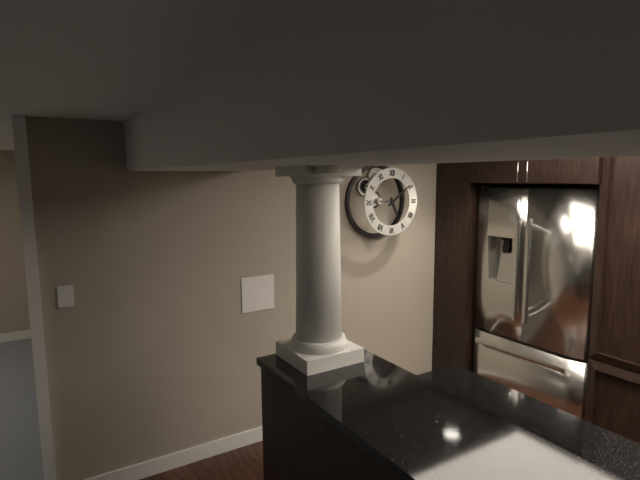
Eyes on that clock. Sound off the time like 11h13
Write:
5h09
